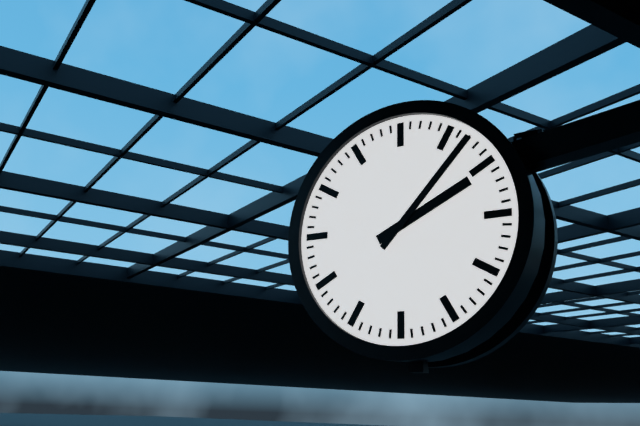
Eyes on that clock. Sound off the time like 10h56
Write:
2h07
